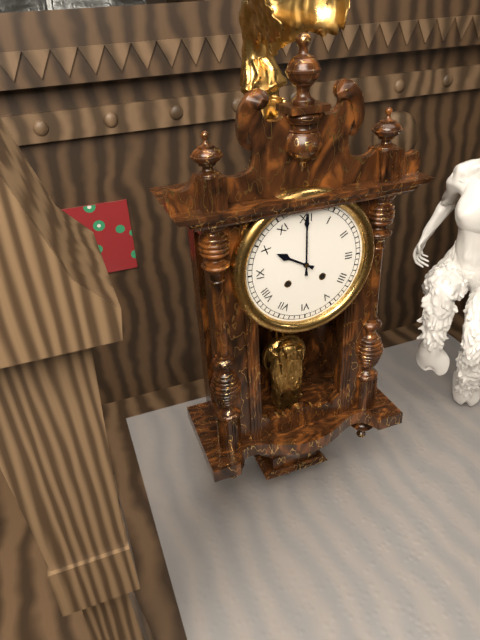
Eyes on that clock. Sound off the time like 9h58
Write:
10h00
